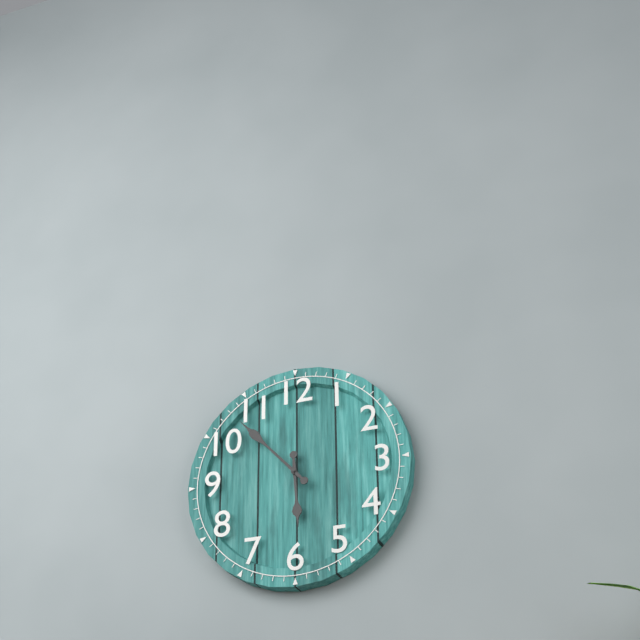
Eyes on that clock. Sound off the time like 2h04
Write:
5h53
